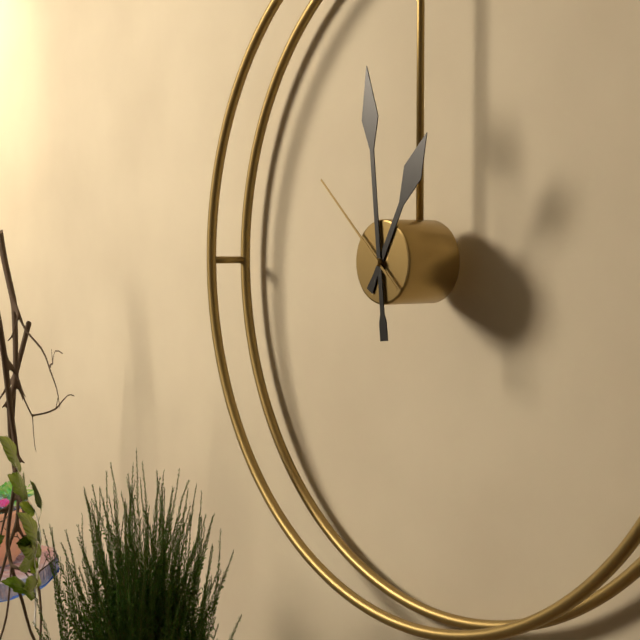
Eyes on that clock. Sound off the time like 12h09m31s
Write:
12h59m52s
